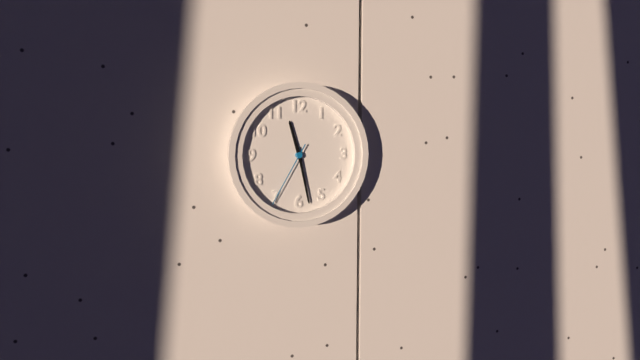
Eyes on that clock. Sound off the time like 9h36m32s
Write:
11h28m35s
